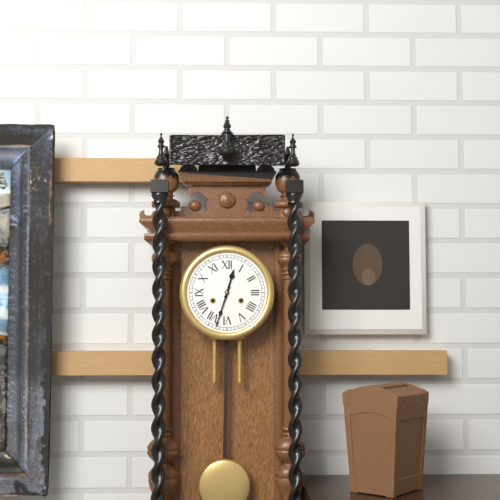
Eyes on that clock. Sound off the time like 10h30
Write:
12h33
